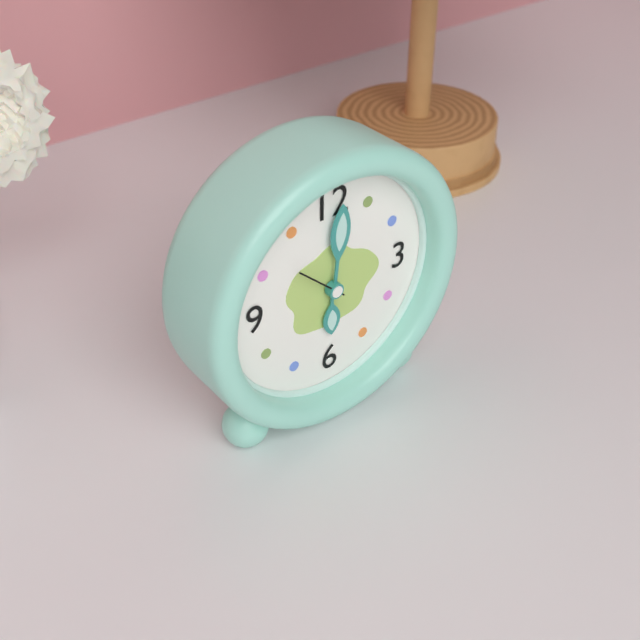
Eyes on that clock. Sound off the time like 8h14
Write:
6h01
